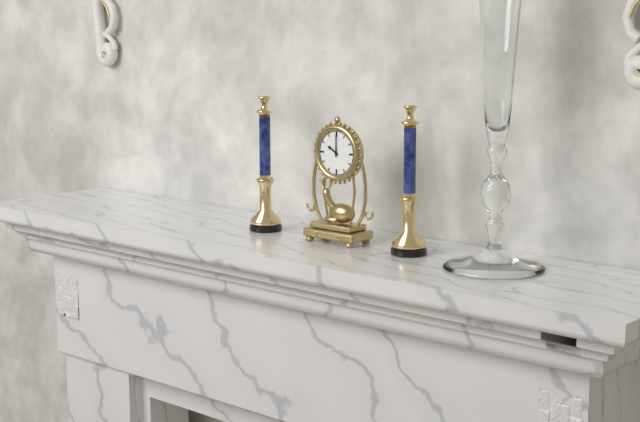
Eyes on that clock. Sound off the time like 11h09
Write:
10h00
